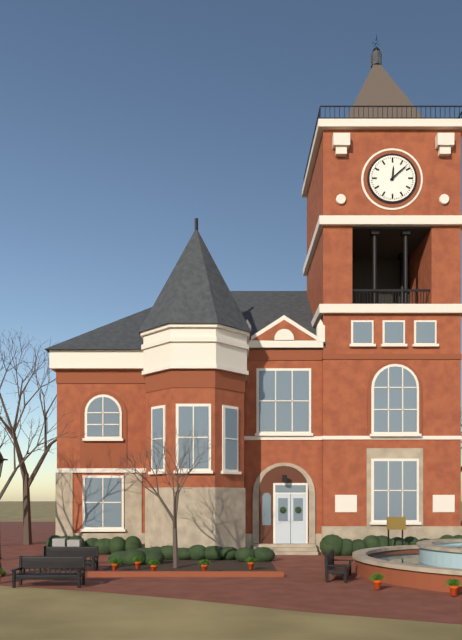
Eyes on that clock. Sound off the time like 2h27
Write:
12h08
